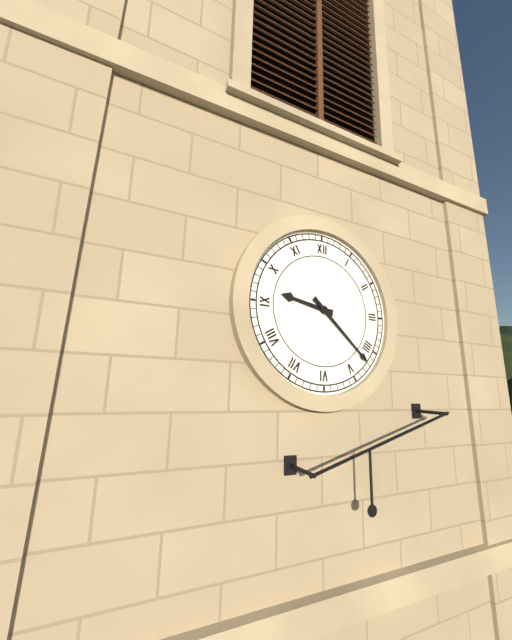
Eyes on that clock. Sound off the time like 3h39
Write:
9h22
